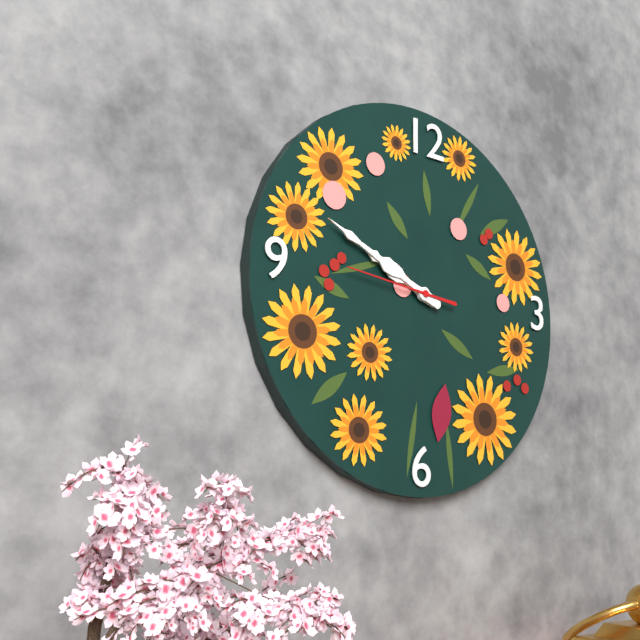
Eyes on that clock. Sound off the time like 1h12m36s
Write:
9h49m46s
